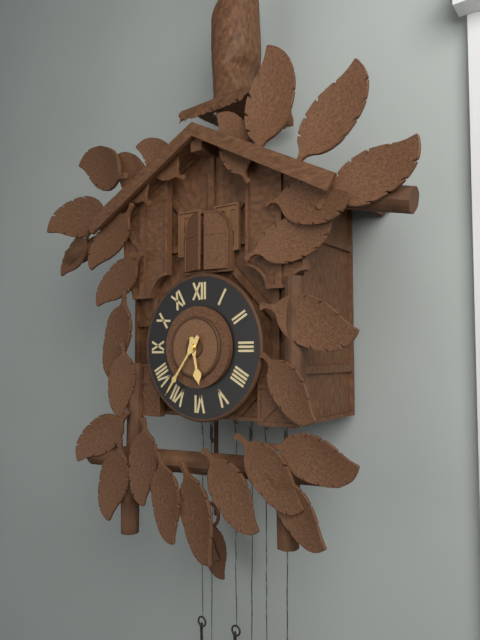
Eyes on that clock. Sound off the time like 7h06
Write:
5h36
